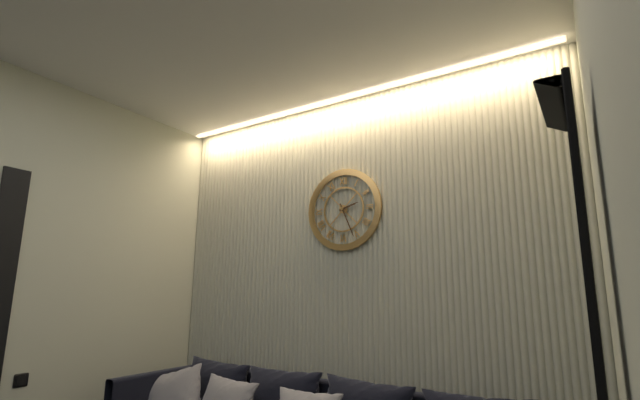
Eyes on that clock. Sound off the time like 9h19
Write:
2h26
